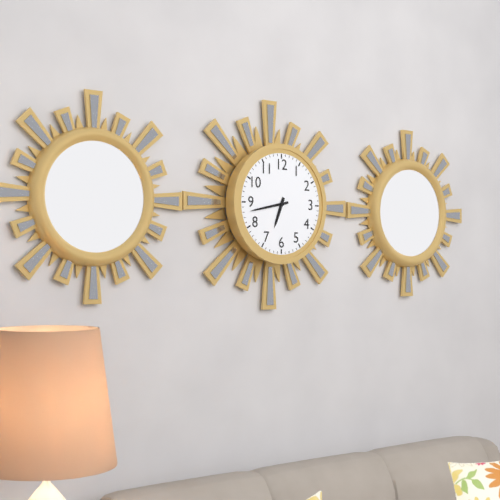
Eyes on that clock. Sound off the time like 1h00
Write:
6h43
